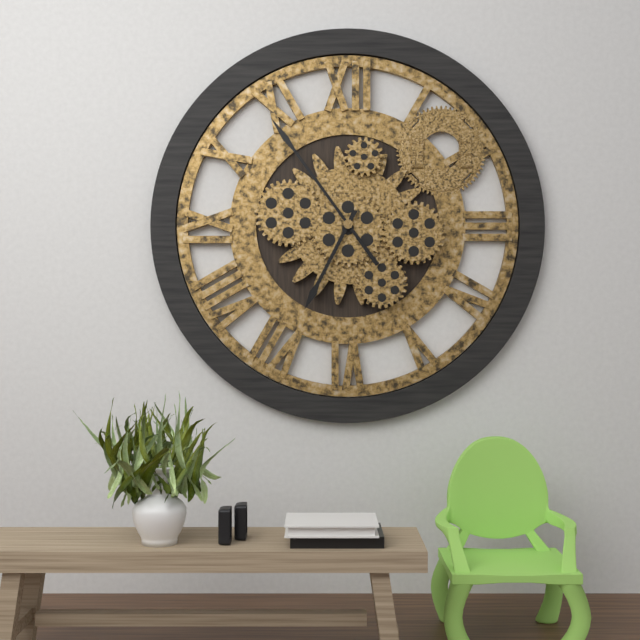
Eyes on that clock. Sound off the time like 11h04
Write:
6h54
